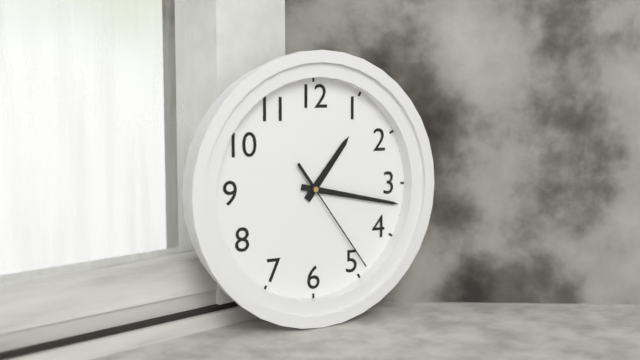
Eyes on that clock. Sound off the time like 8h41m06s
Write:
1h17m24s
